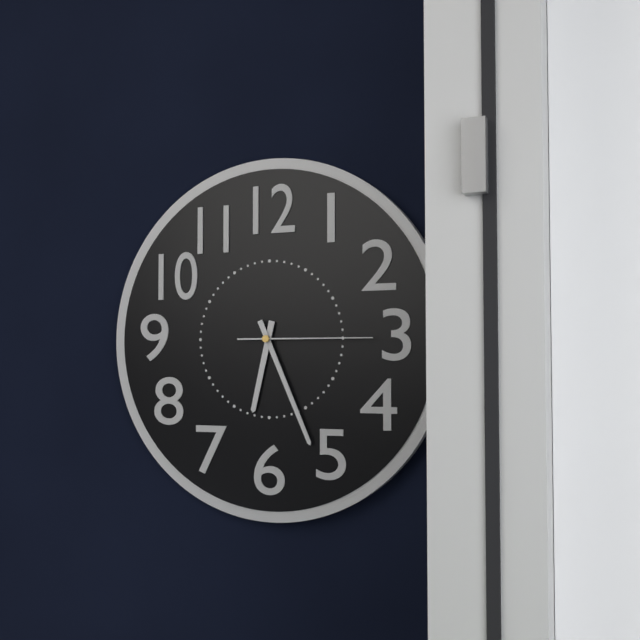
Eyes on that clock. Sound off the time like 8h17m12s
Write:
6h26m15s
